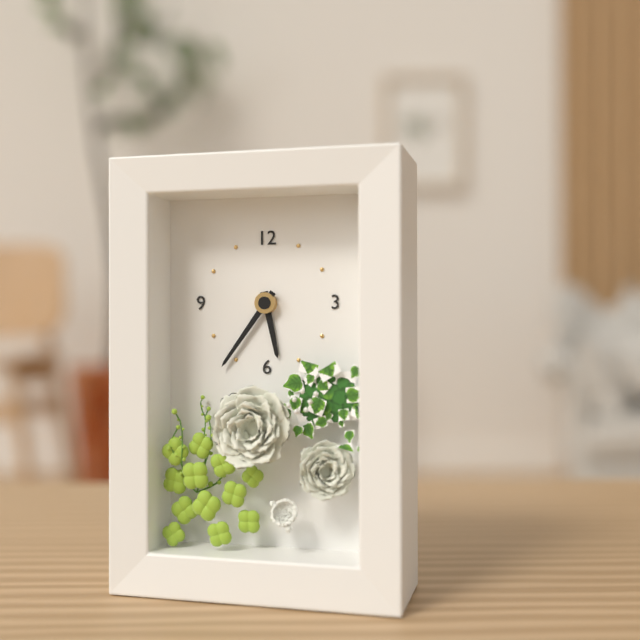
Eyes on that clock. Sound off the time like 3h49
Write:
5h36
